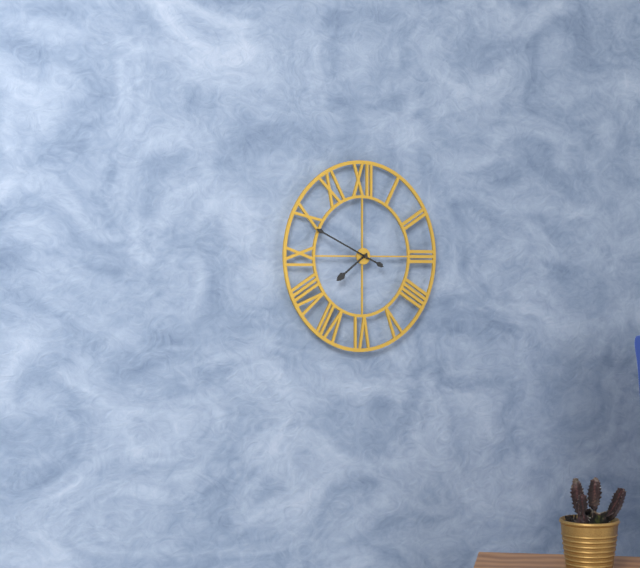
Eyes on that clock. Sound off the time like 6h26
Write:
7h49
